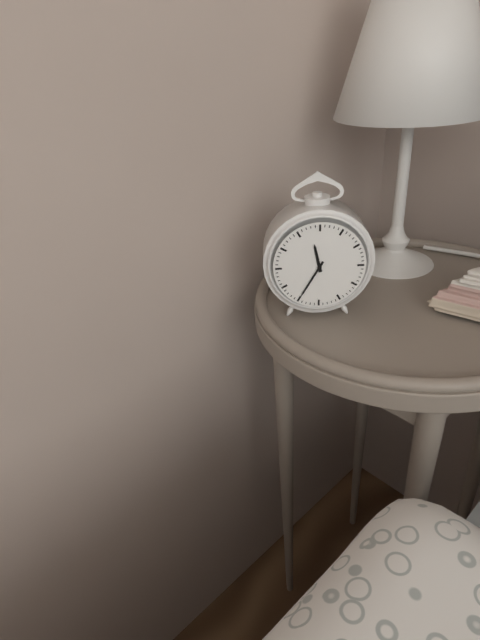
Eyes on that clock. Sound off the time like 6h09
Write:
11h35
